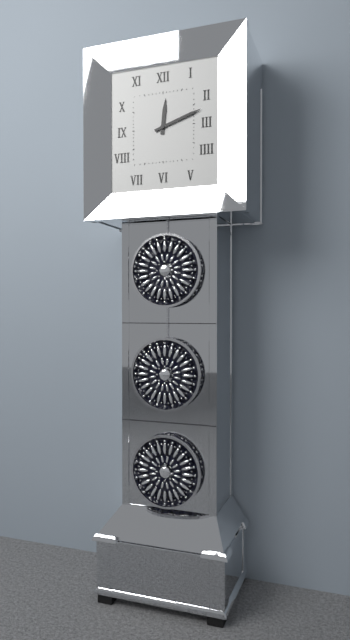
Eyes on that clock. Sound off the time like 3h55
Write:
12h12
